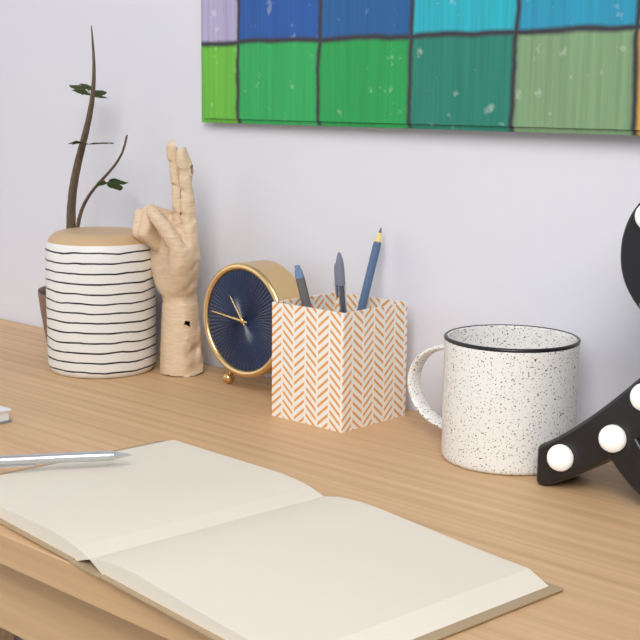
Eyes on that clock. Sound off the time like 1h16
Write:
10h46
